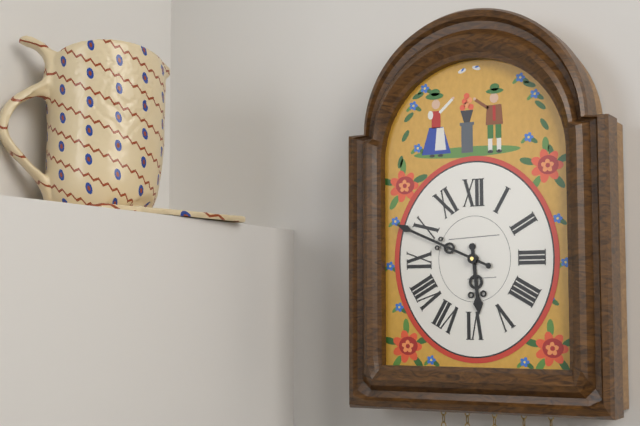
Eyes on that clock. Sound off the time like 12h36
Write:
5h49
